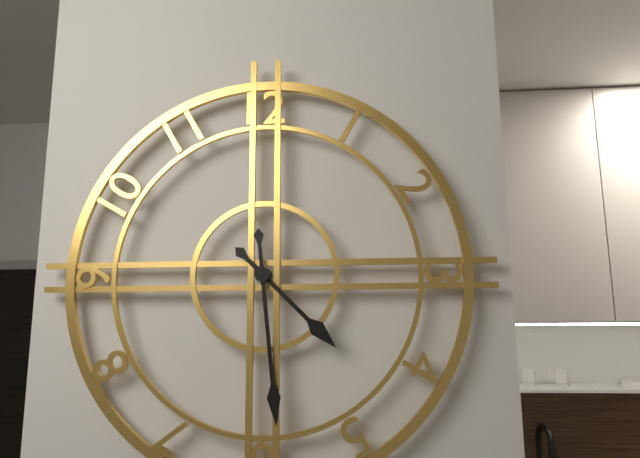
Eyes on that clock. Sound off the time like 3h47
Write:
4h29
